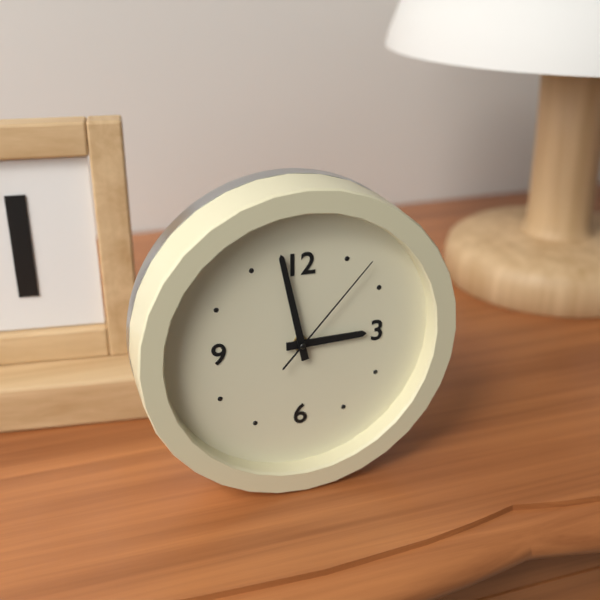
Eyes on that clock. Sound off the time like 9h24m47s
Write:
2h58m07s
